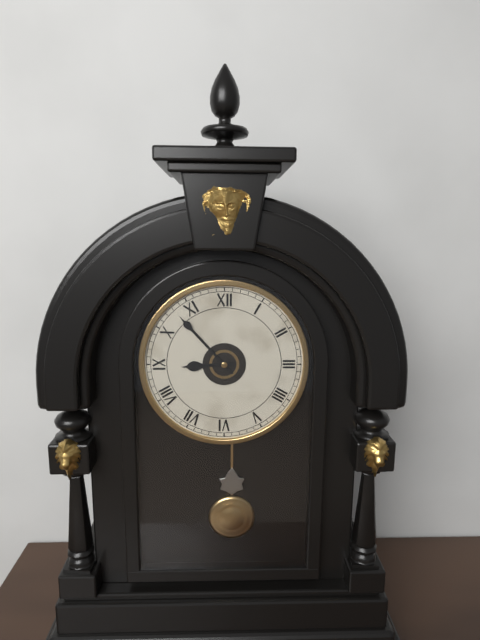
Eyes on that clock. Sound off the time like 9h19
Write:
8h53
